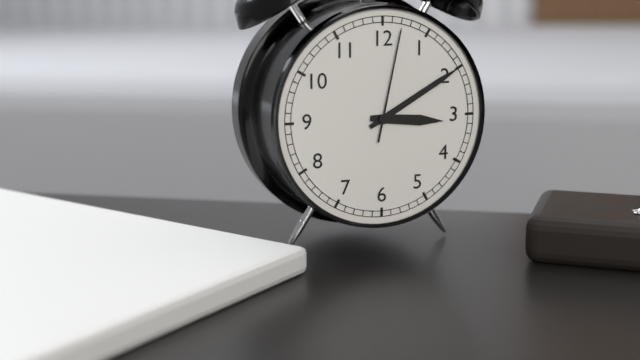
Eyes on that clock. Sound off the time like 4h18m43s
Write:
3h10m02s
